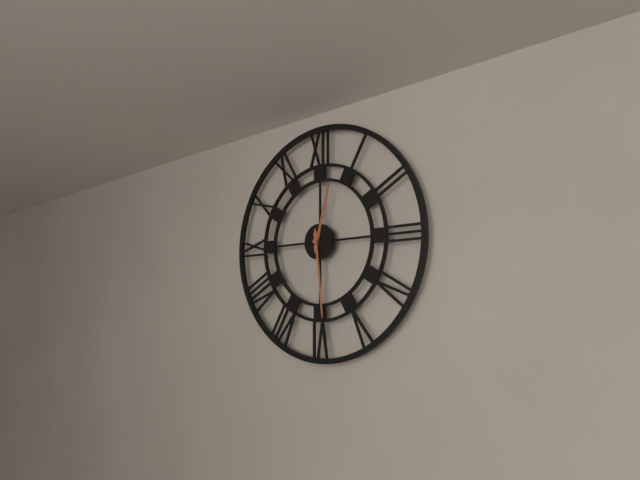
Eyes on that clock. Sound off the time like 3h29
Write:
12h29
